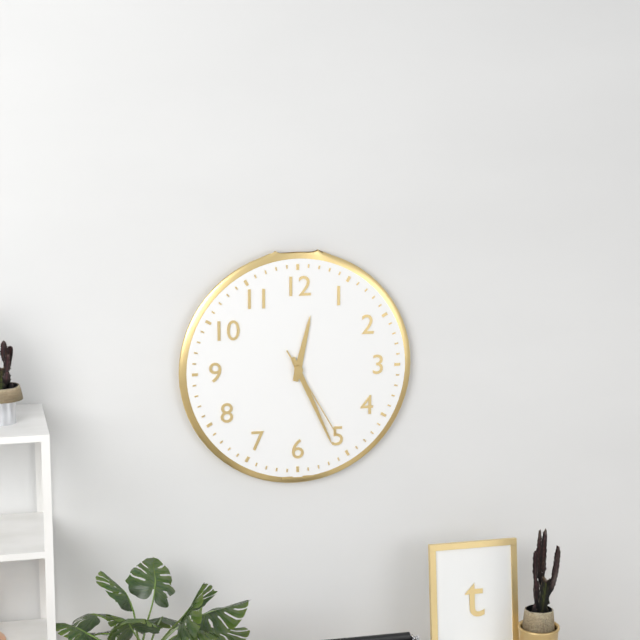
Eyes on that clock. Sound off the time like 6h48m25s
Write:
12h26m25s
